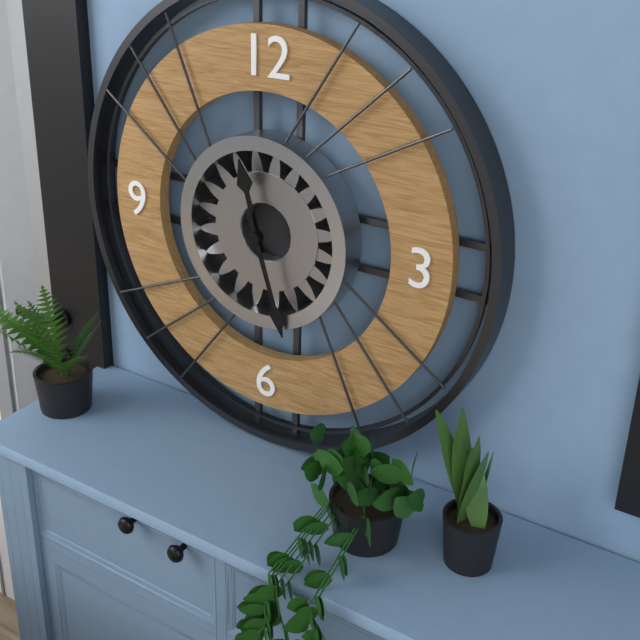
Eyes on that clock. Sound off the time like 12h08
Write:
11h27
